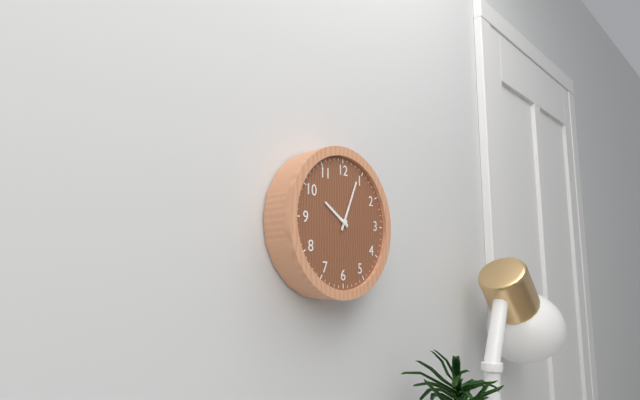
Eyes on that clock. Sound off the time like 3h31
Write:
10h04
